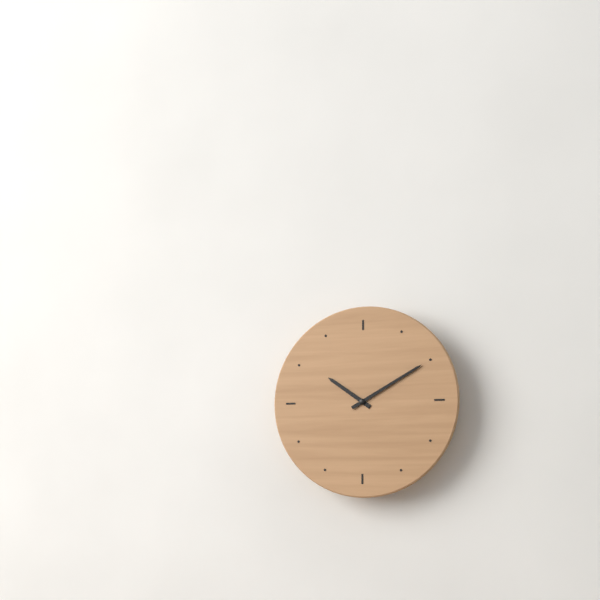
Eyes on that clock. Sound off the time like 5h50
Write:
10h10
